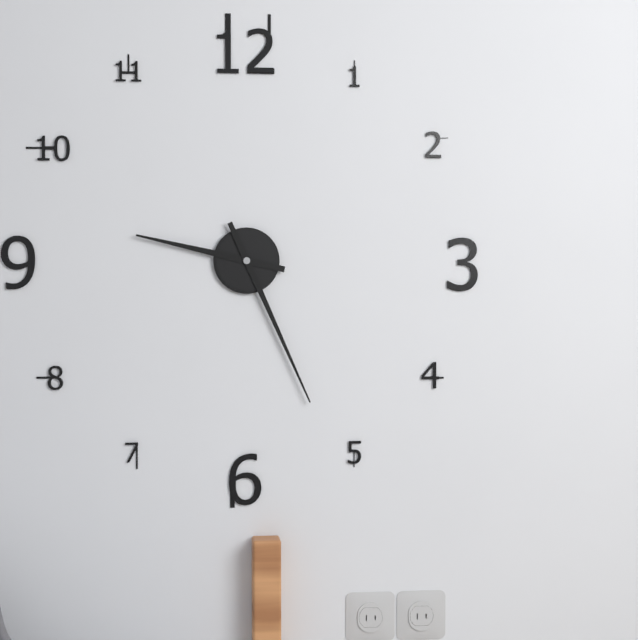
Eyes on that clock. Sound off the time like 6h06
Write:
9h26
